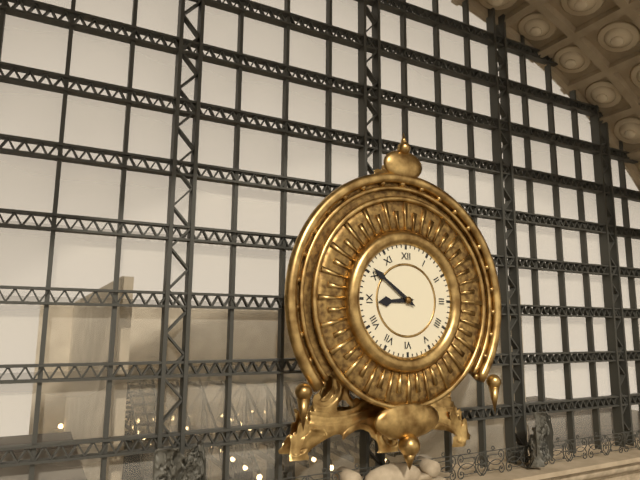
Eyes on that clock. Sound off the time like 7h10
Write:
8h51
